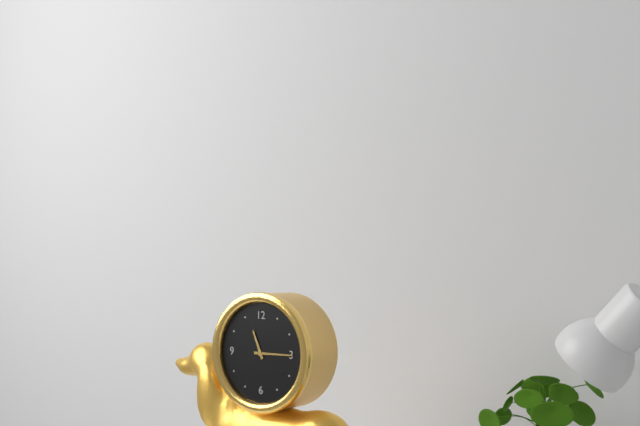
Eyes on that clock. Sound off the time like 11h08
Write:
11h15
